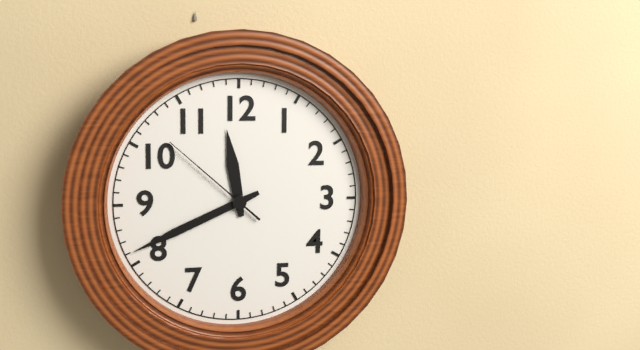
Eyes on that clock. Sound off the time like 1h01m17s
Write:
11h41m52s
